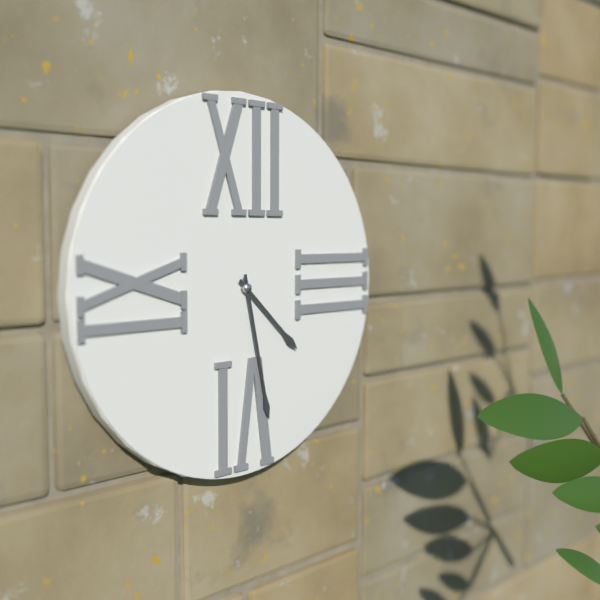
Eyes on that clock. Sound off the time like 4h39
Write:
4h28
